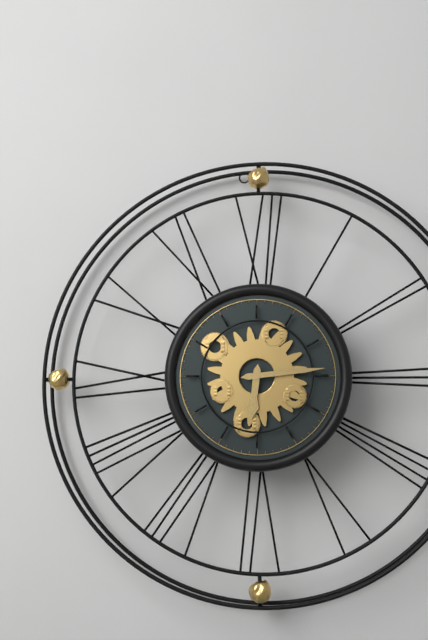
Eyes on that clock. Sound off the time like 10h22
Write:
6h14
